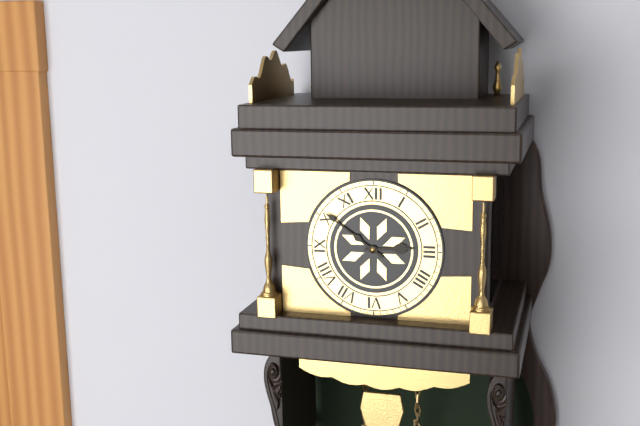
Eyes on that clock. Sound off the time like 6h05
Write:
2h51
